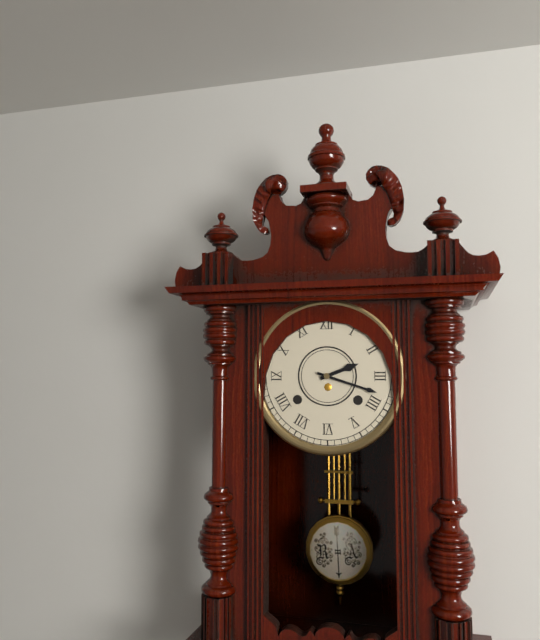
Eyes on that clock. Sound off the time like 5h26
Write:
2h18
